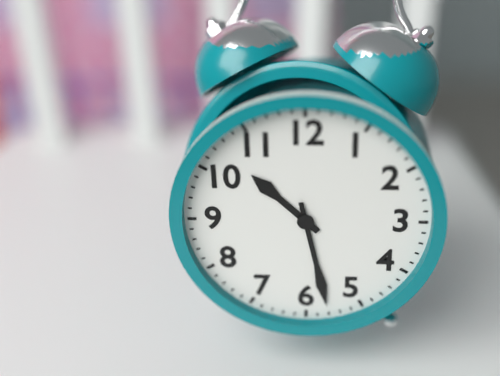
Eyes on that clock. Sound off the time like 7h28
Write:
10h28
